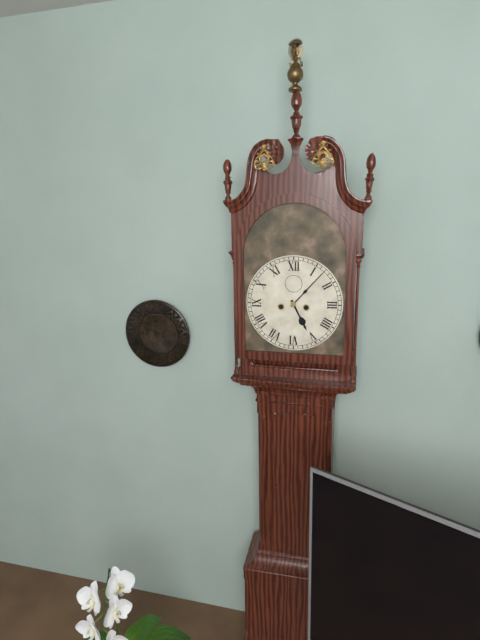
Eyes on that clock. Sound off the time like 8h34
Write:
5h07
